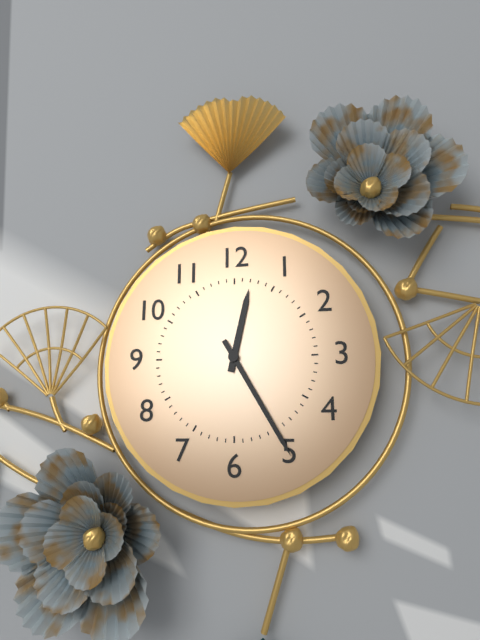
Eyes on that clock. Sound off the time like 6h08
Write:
12h25
